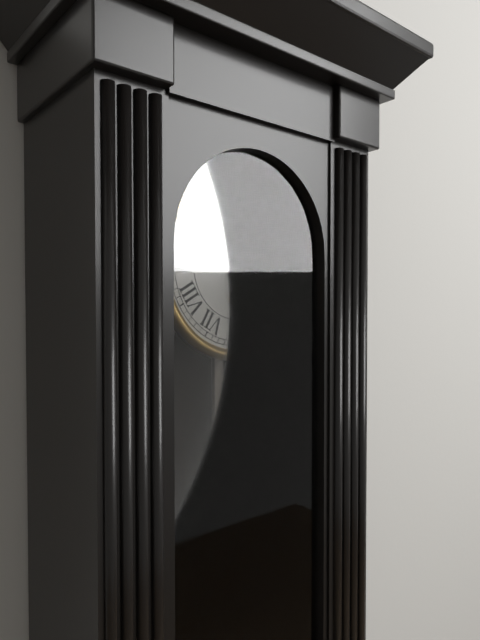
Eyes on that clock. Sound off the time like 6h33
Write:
1h25
